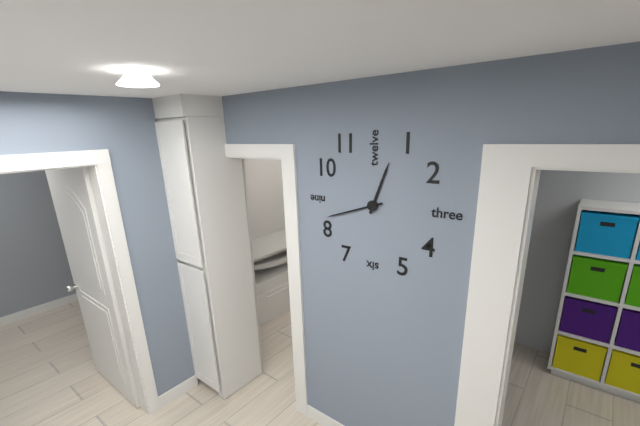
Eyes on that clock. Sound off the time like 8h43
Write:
12h42
